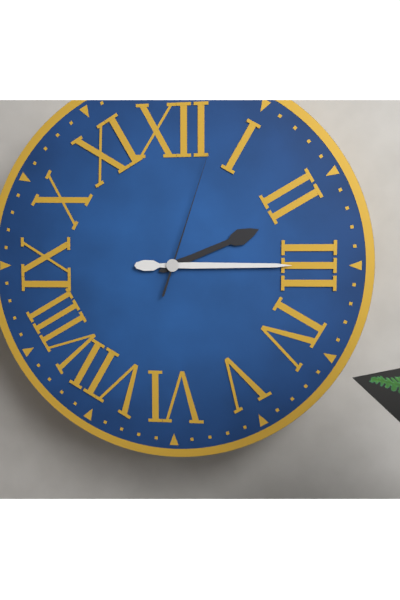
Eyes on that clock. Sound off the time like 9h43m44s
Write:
2h15m03s
